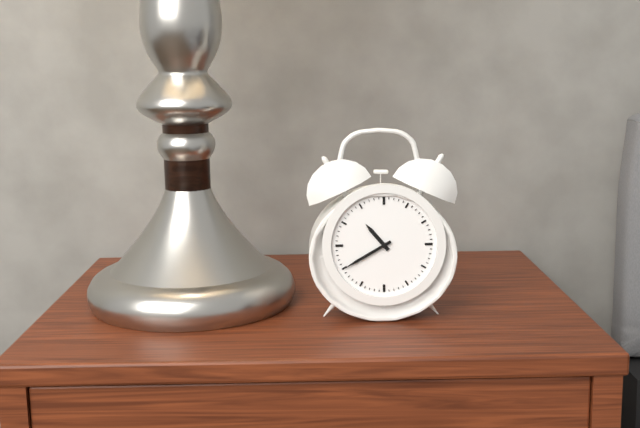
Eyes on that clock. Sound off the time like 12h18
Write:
10h40
